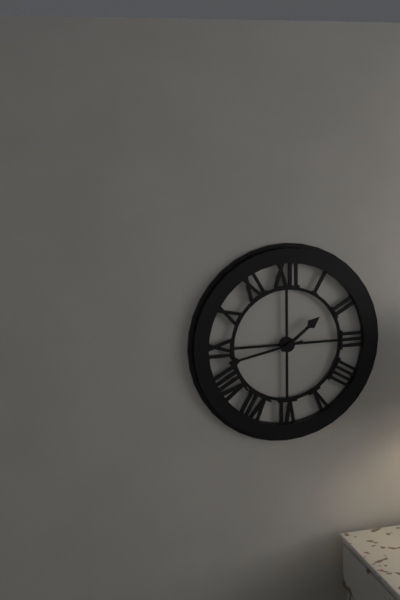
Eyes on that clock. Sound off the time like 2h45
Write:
1h43
